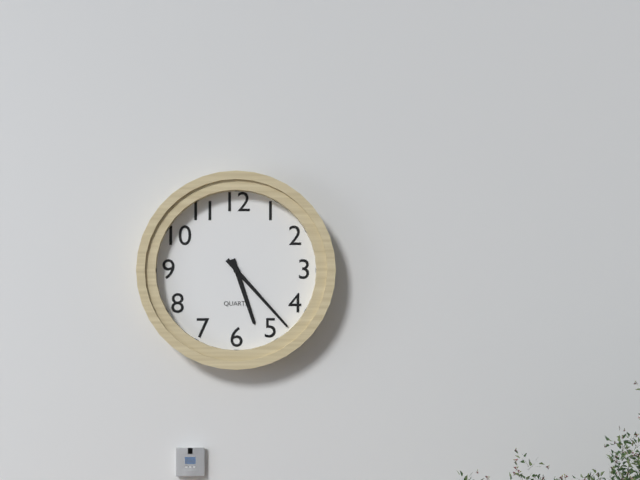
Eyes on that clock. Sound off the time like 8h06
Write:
5h23
